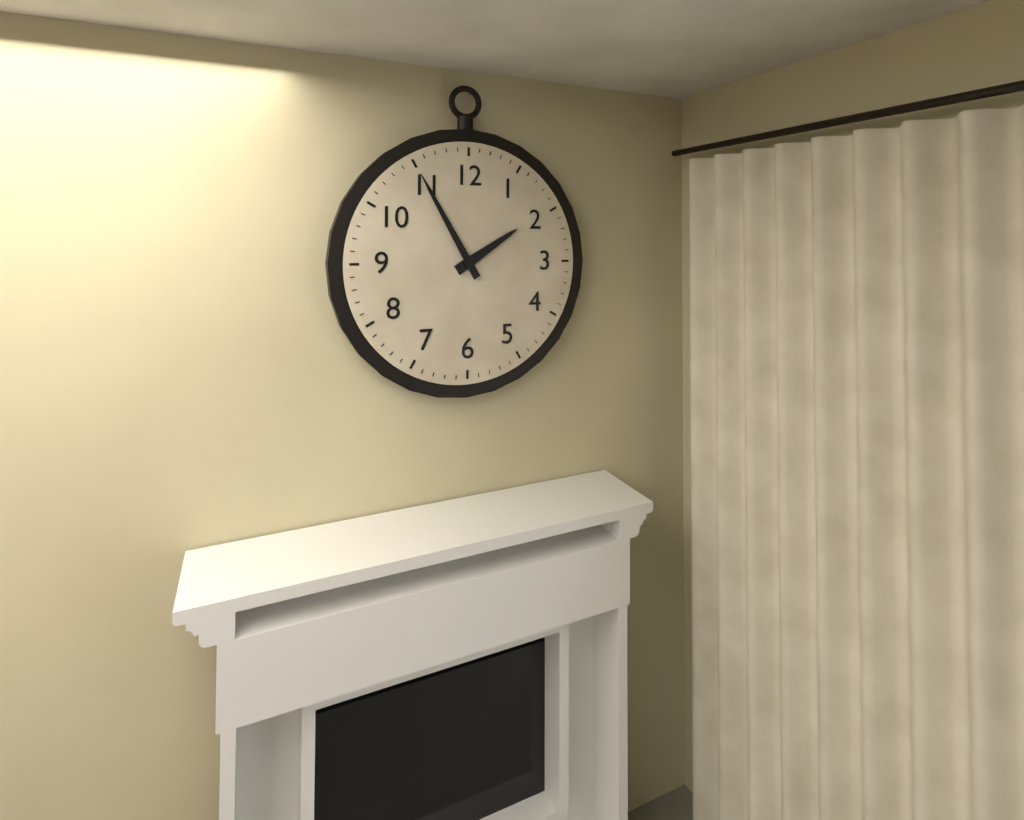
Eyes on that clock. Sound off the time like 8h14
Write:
1h55
